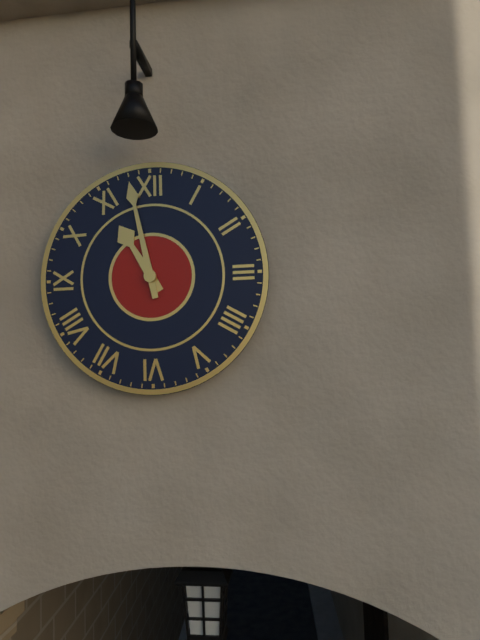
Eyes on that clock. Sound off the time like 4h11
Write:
10h58
